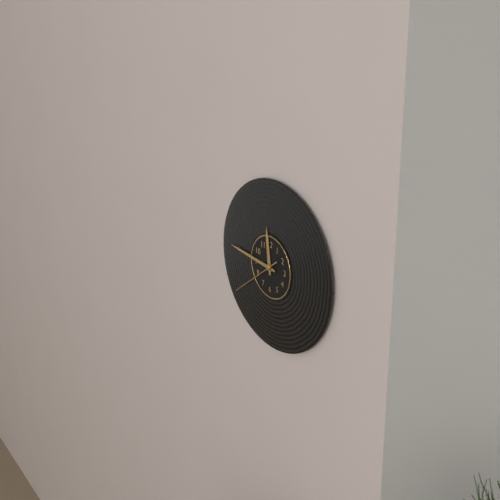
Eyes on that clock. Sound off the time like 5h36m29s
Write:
11h46m39s
